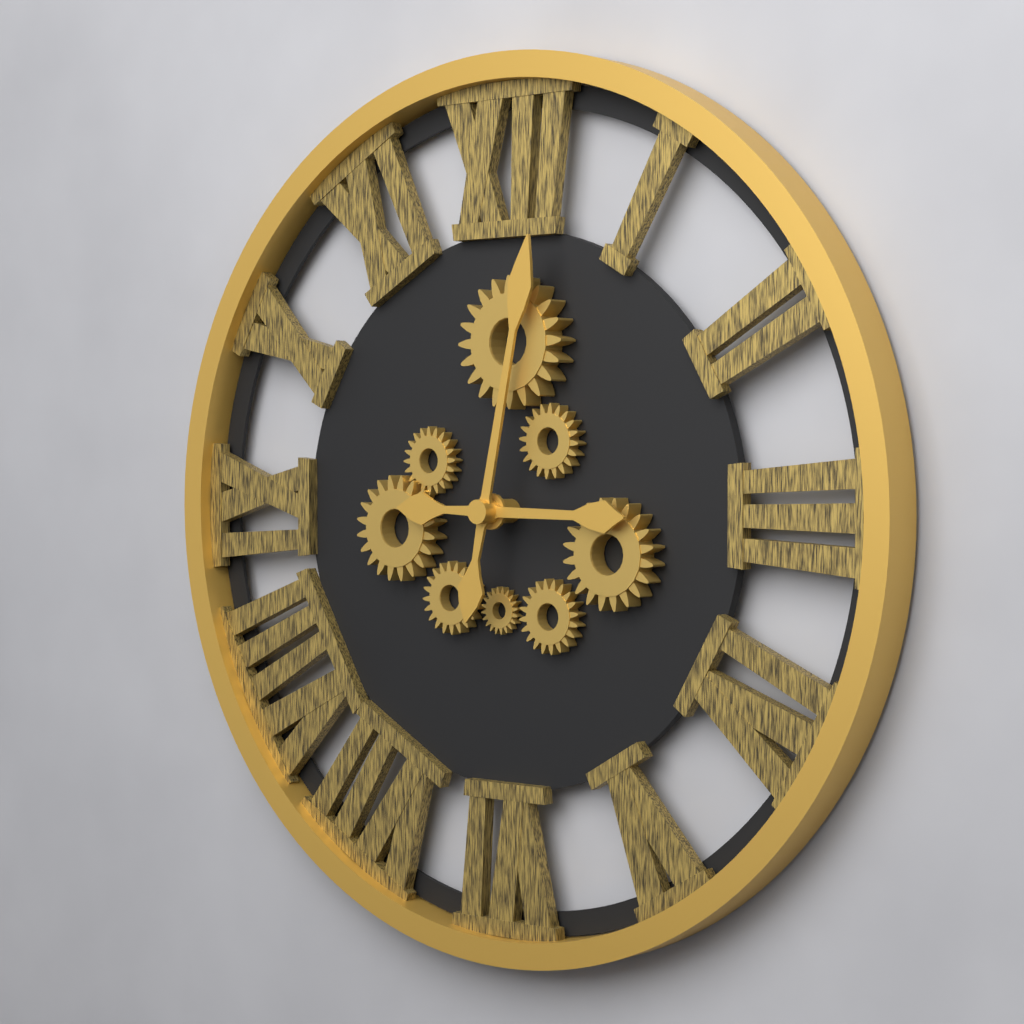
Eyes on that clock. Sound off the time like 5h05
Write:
3h02
